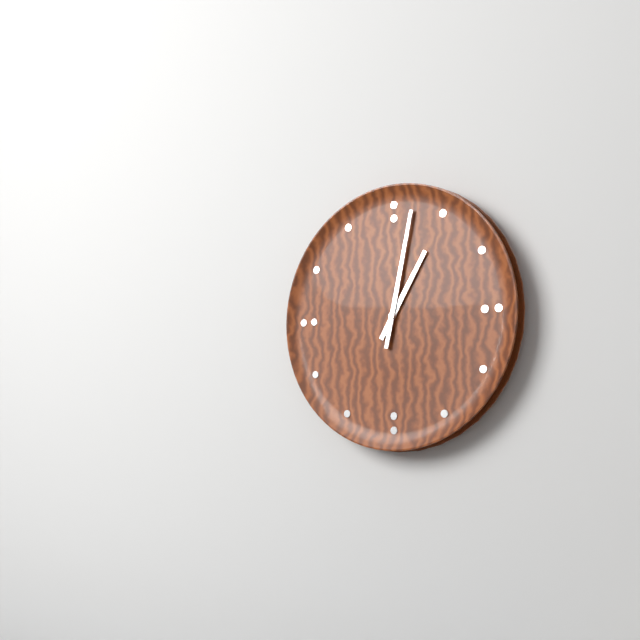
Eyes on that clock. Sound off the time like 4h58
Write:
1h02
